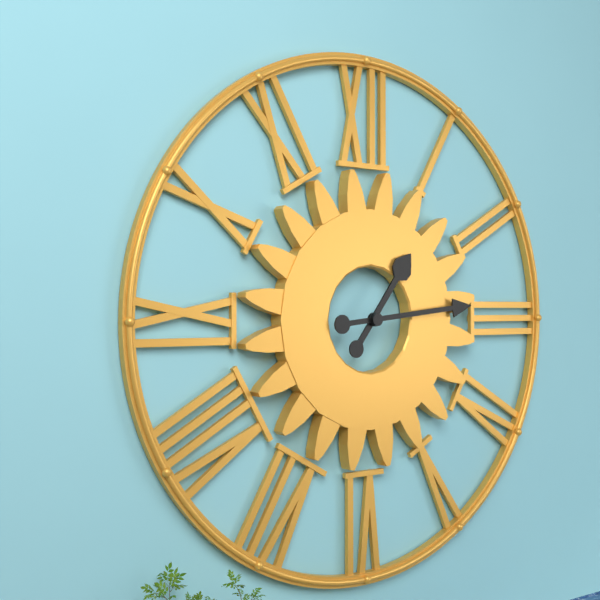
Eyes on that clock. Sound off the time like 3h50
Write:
1h14
